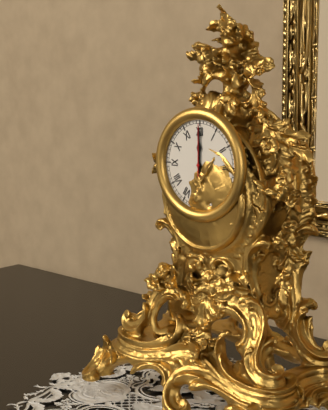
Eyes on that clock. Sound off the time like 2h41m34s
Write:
12h00m00s
